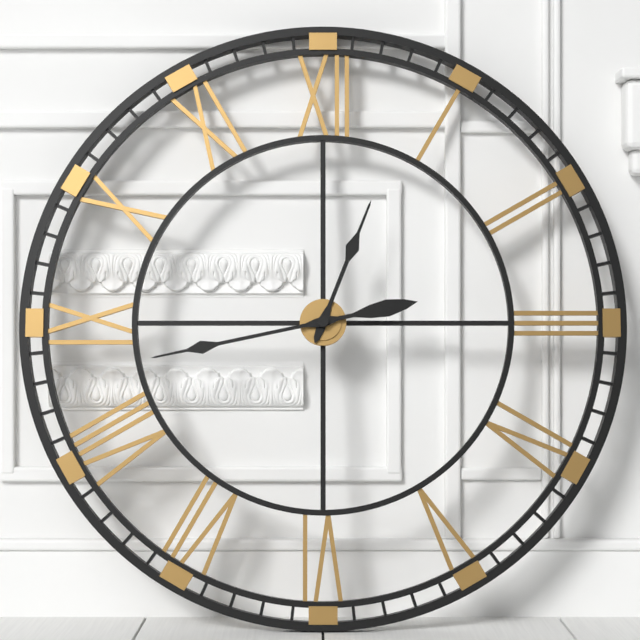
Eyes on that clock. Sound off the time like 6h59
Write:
12h43
